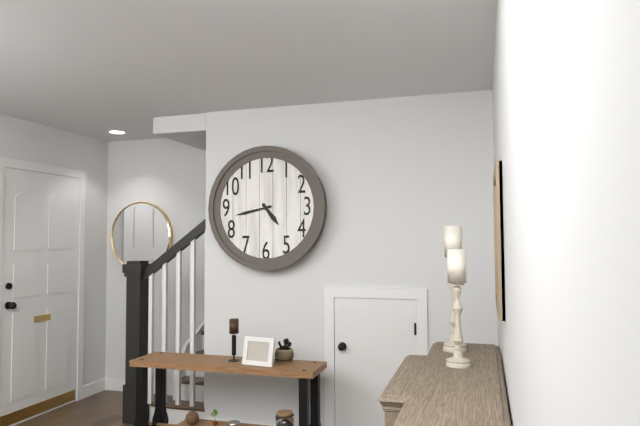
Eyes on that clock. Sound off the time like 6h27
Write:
4h43
